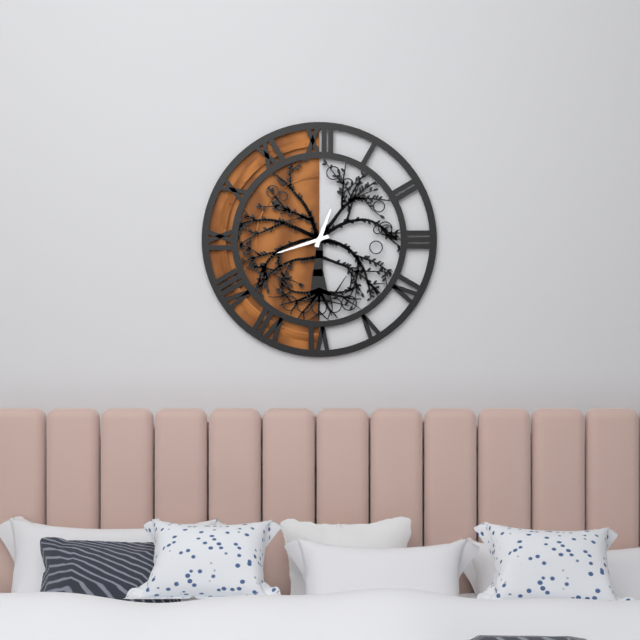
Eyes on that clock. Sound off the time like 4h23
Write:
12h42
